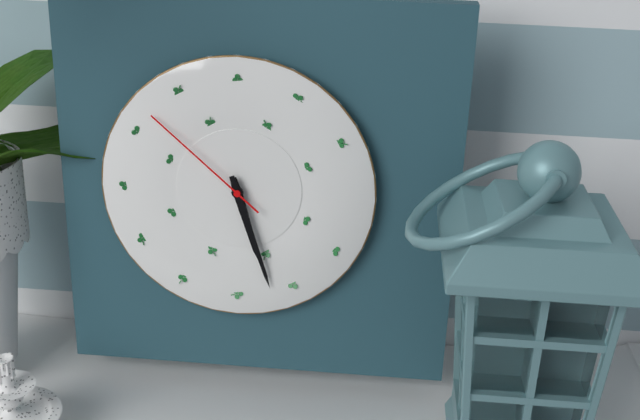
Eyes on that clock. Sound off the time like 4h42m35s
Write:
5h27m52s
